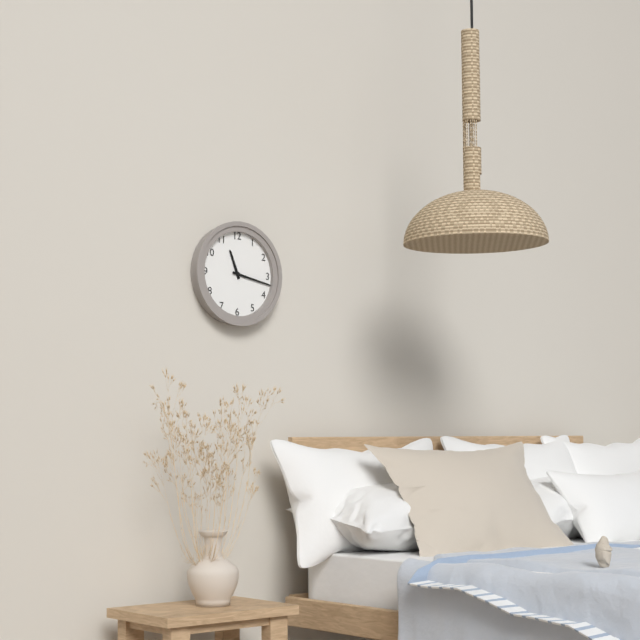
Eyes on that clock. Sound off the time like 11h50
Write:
11h17
